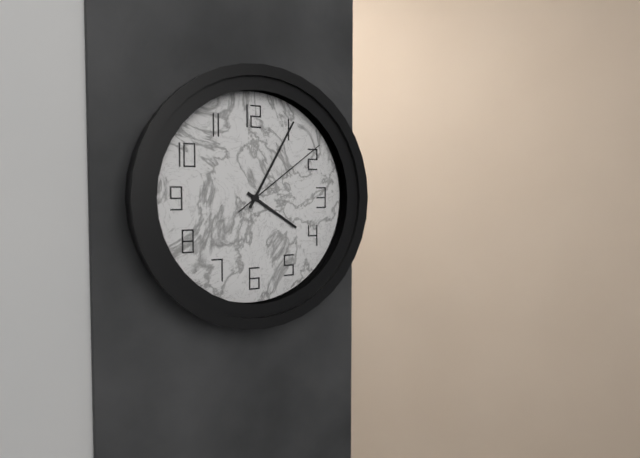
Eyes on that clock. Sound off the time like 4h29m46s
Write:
4h05m09s
